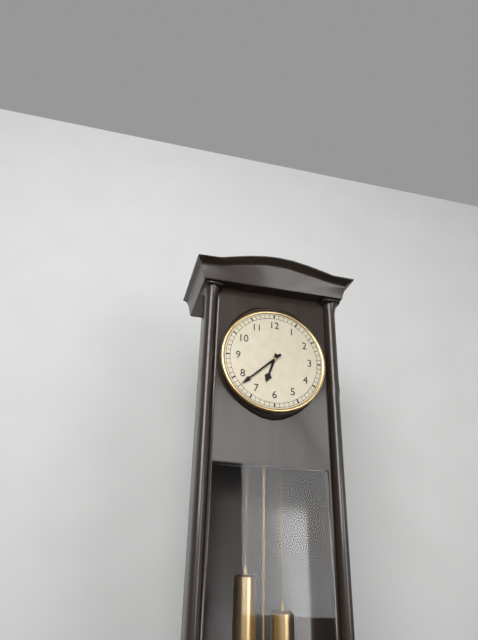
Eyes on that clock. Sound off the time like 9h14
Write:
6h38
